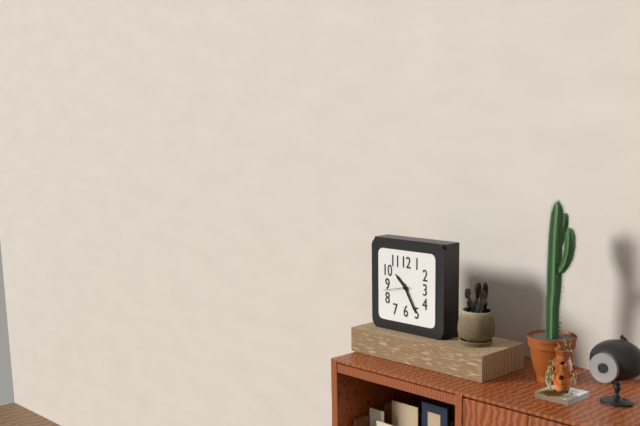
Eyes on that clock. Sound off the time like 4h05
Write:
10h25
